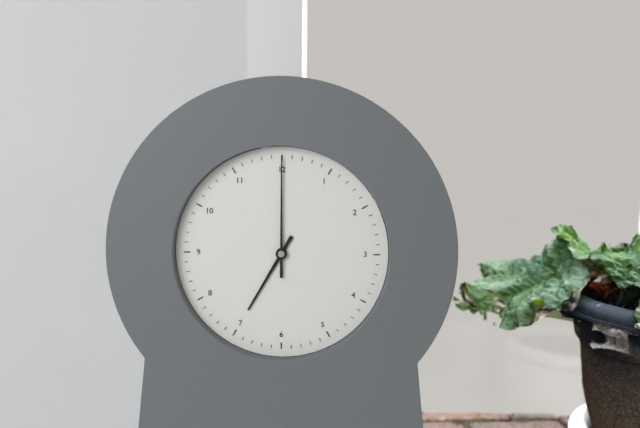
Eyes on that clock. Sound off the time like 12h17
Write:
7h00
